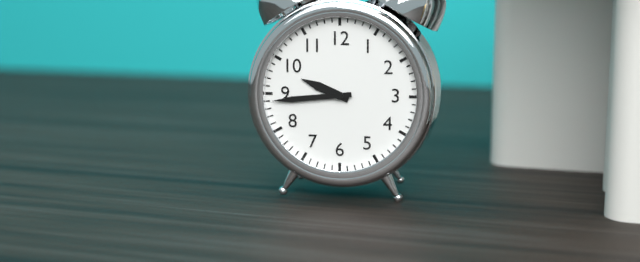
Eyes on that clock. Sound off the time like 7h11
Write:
9h44
